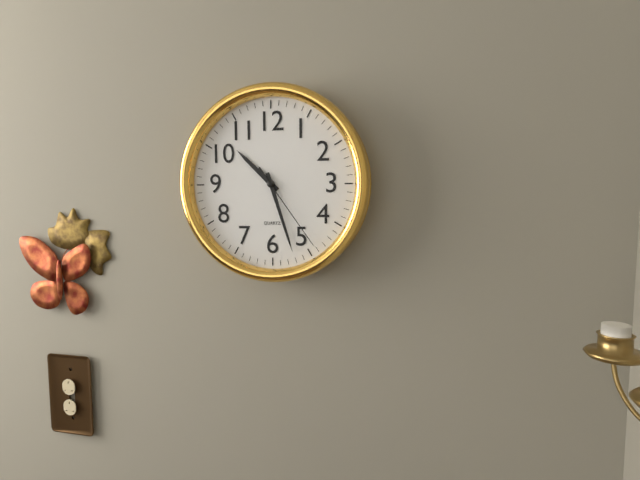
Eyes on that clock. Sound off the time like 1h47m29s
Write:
10h27m24s
